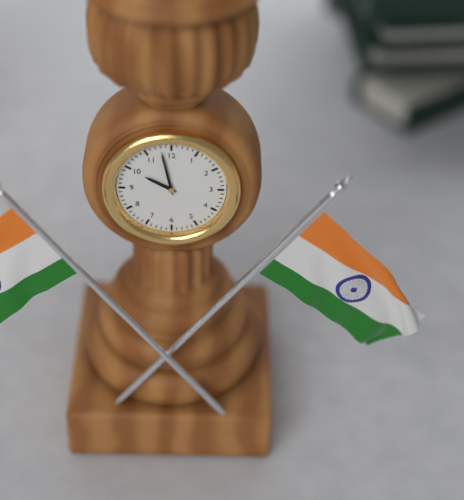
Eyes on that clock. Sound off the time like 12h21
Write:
9h58
